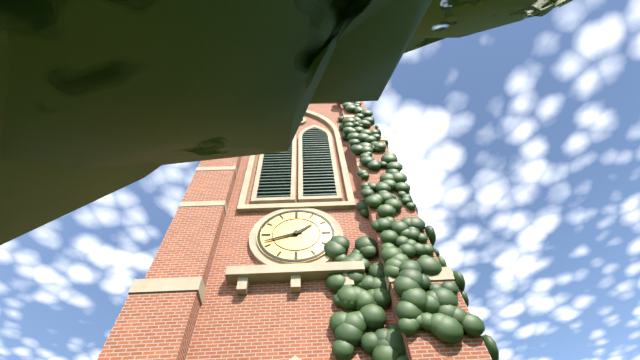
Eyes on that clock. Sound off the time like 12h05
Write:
1h42
